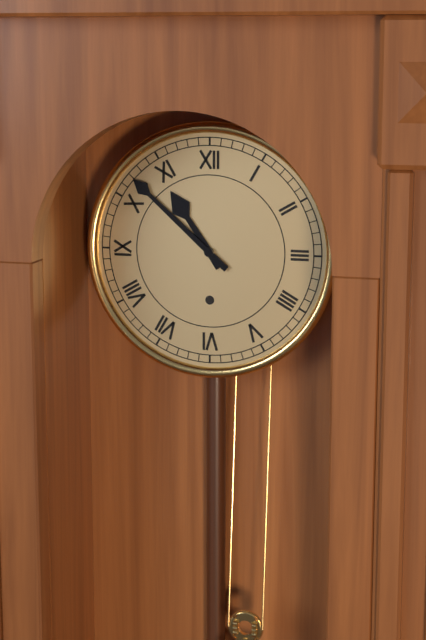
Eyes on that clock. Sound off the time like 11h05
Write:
10h52
